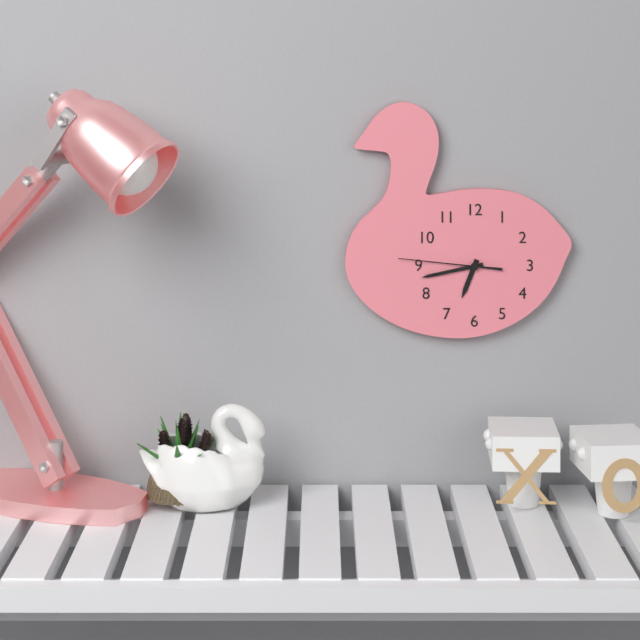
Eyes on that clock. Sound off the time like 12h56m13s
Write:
6h43m46s
